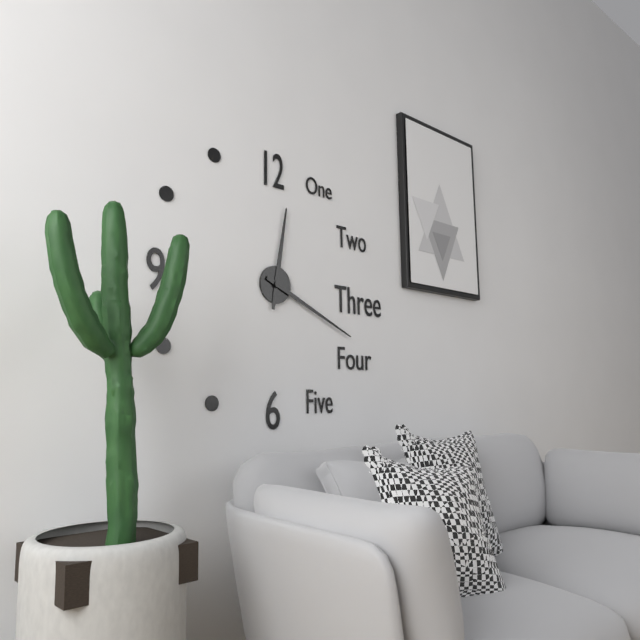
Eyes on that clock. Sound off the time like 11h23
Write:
12h19
